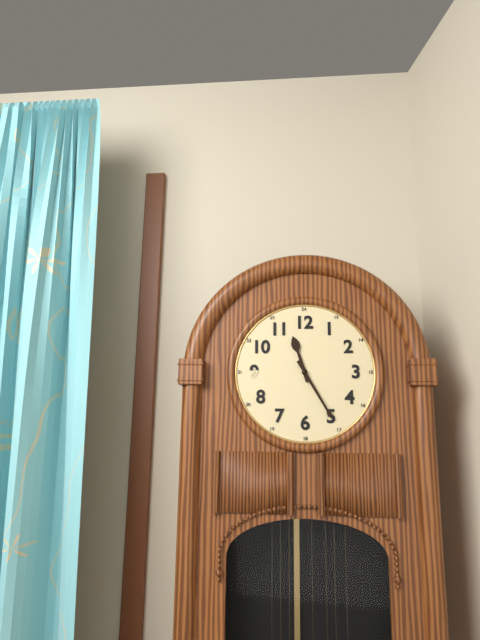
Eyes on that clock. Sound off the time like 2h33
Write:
11h25
